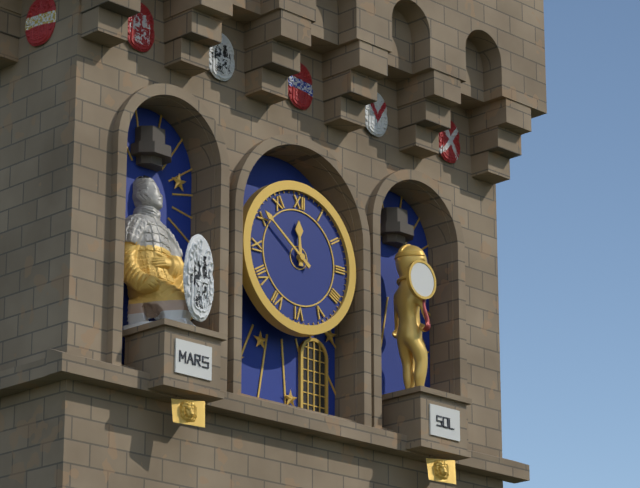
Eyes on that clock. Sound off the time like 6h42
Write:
11h51
